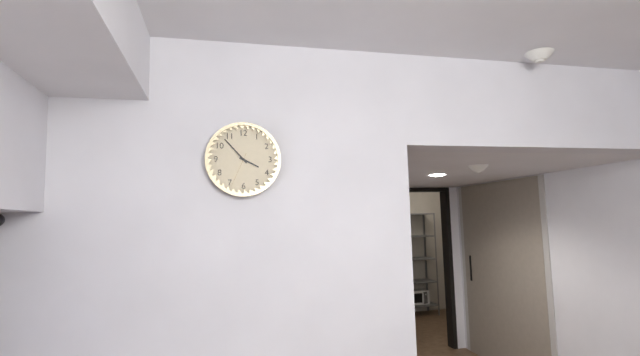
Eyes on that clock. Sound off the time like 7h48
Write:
3h53
